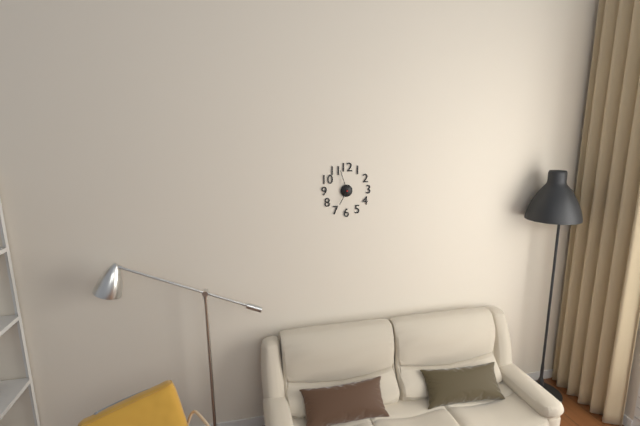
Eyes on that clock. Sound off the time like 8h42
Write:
6h57
